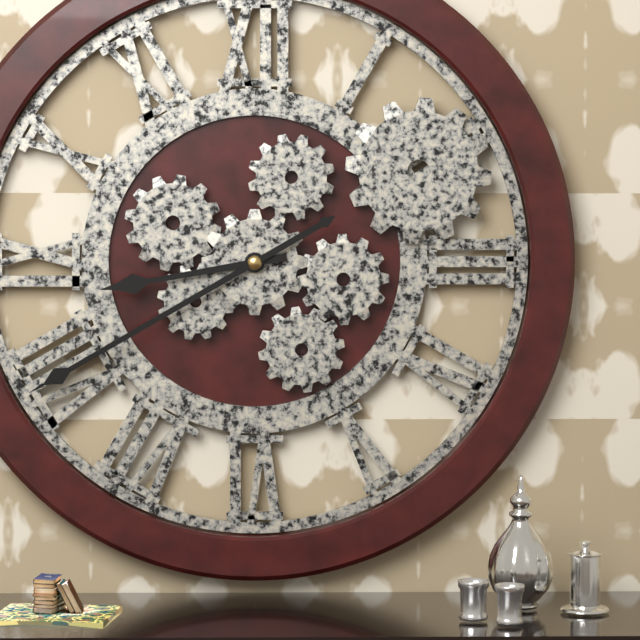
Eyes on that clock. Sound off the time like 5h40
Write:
8h40
